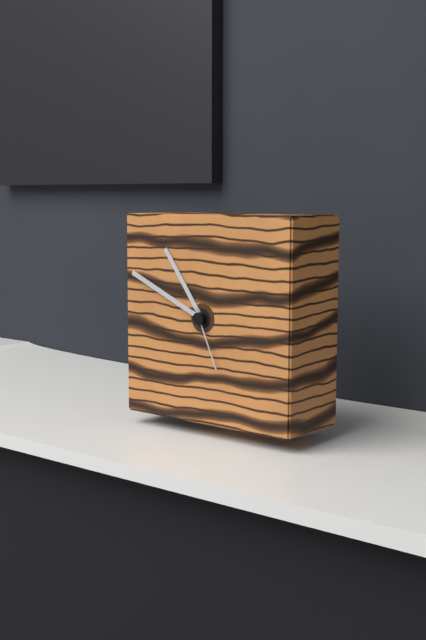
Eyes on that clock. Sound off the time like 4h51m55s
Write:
10h49m26s
